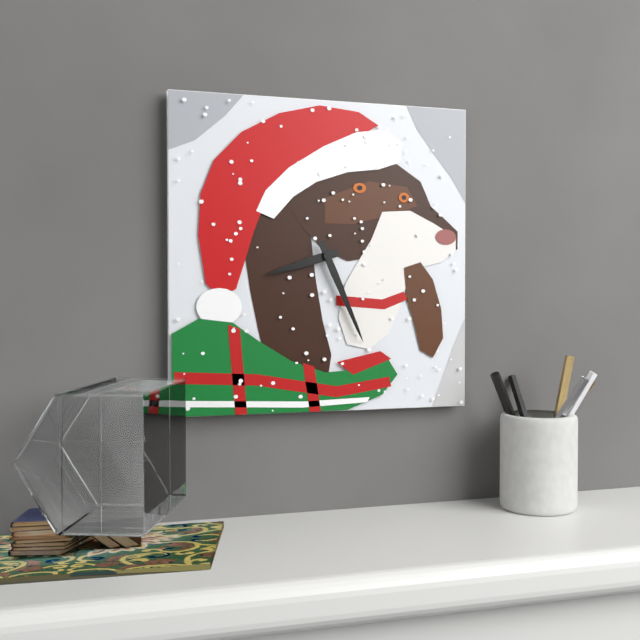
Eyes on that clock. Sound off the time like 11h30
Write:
8h26
